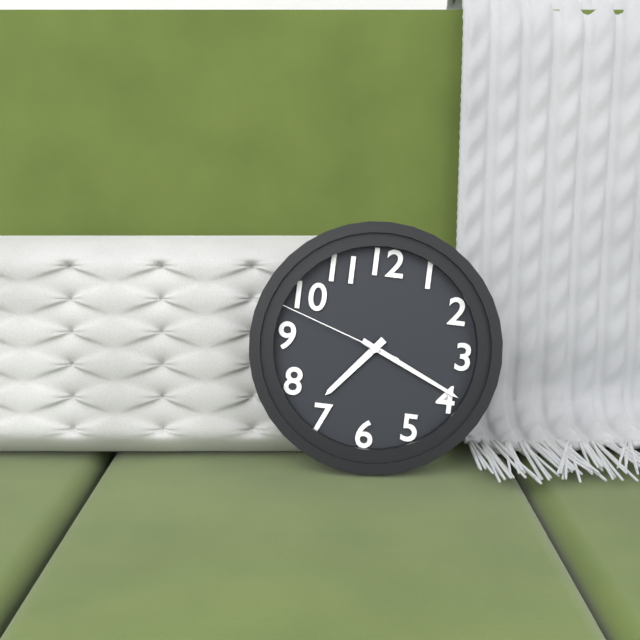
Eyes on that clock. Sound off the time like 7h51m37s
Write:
7h19m48s
